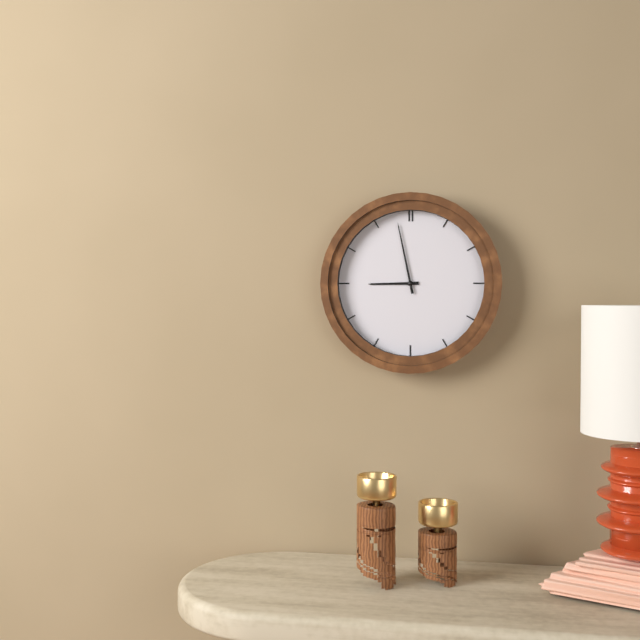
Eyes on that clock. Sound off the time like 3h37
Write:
8h58
